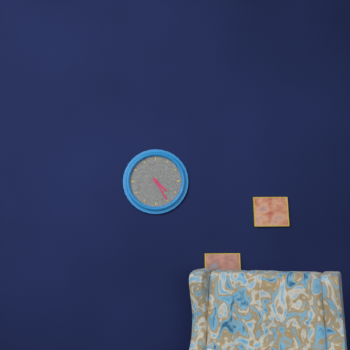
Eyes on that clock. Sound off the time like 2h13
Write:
4h25
